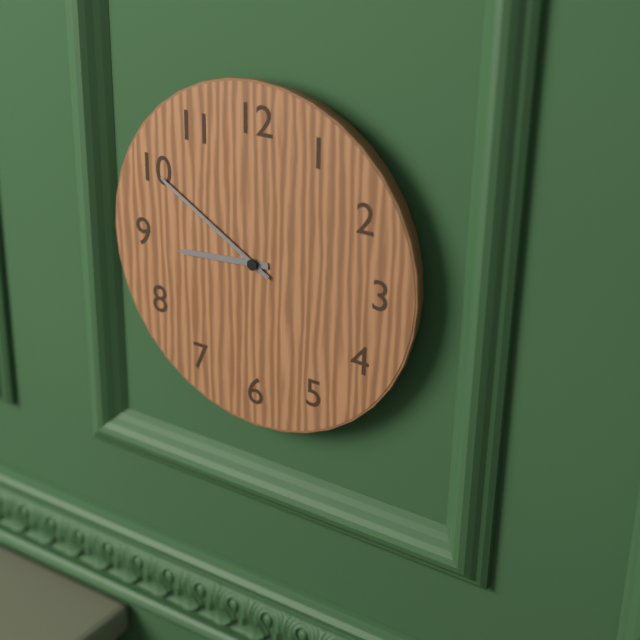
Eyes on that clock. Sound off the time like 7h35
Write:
8h50
